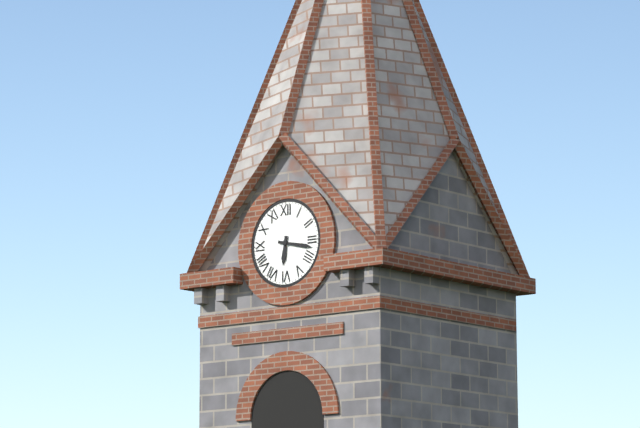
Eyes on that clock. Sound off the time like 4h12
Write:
6h17
